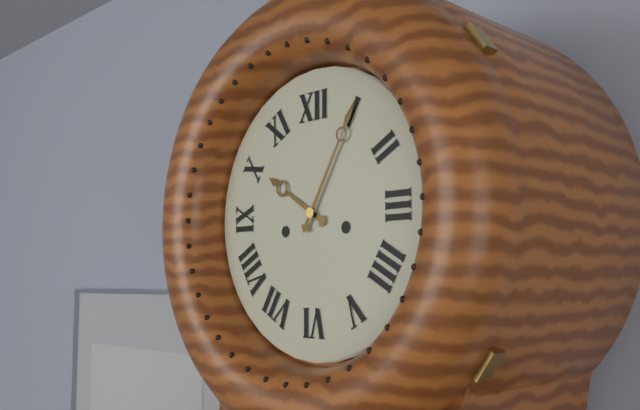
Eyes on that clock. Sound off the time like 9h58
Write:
10h05
